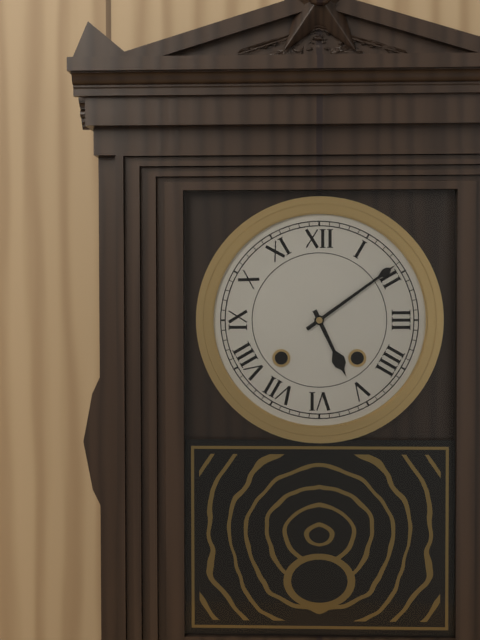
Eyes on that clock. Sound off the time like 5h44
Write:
5h09
